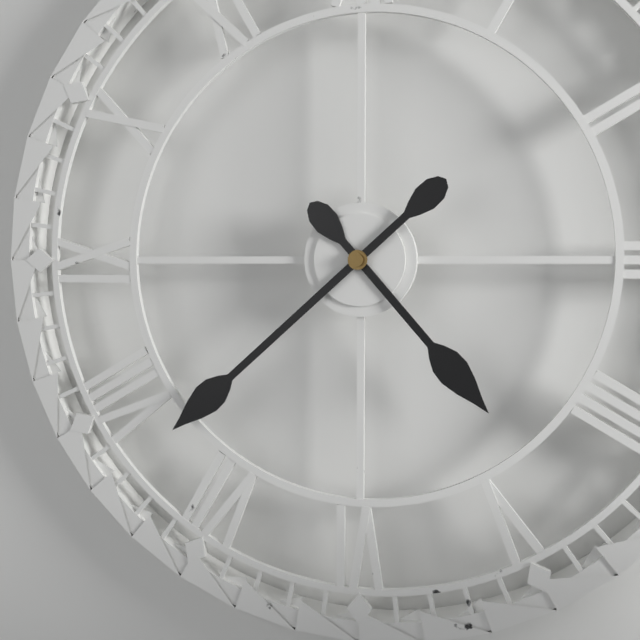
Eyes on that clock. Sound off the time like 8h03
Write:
4h38
